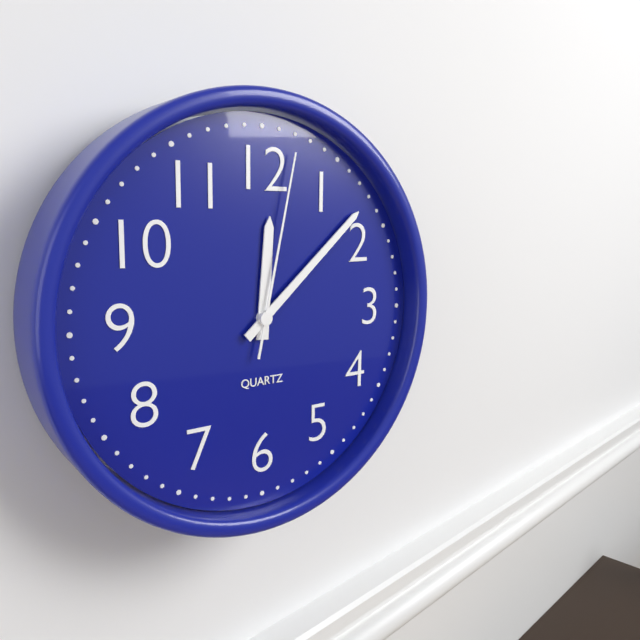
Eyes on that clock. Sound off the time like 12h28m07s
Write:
12h08m02s
